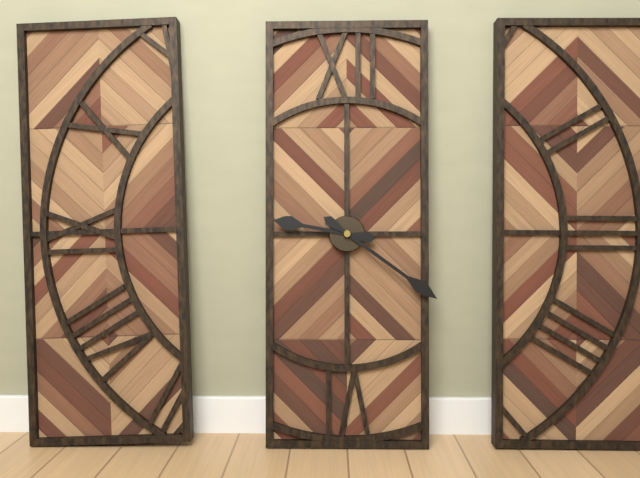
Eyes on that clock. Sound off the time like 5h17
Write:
9h21
